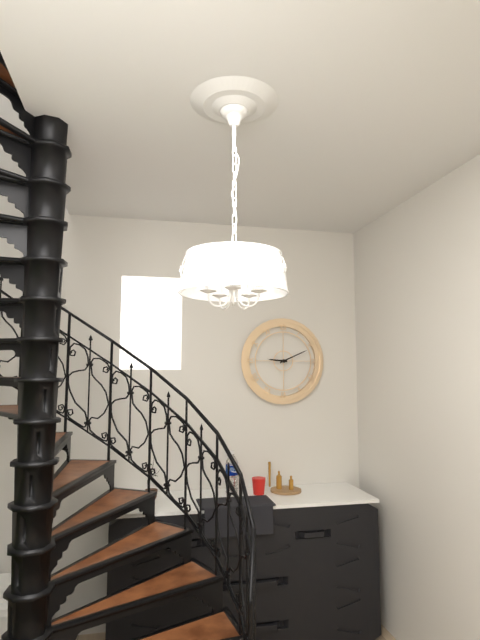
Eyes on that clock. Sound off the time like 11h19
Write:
9h11
